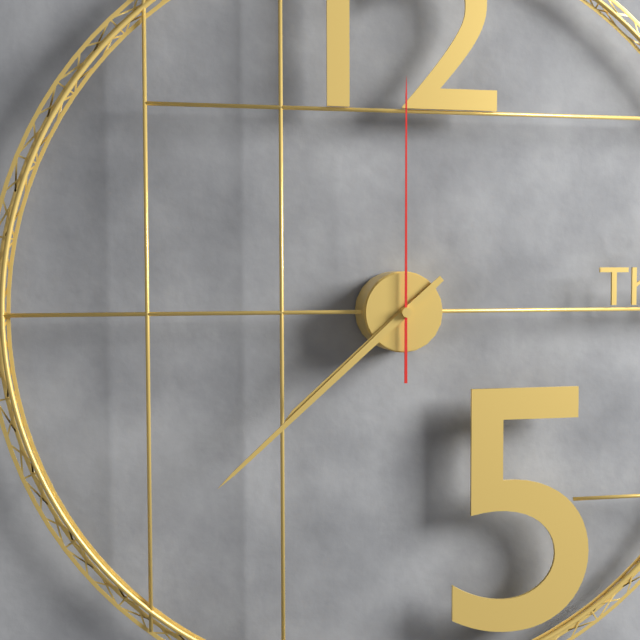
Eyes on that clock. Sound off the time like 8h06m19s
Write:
7h38m00s
